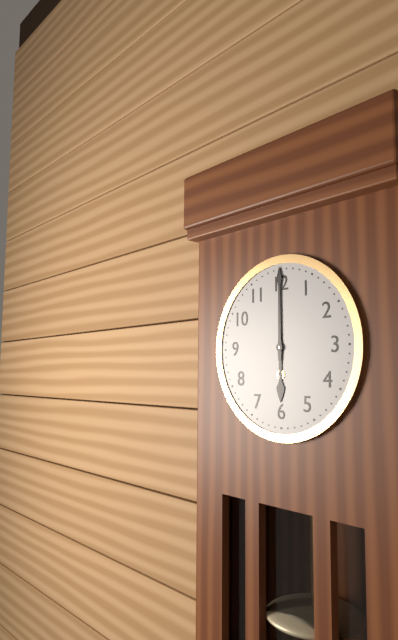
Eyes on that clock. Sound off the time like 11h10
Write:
6h00
